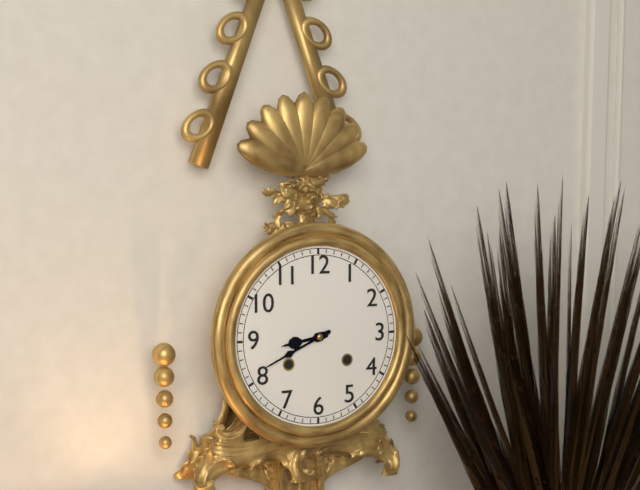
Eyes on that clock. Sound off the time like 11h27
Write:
8h41
